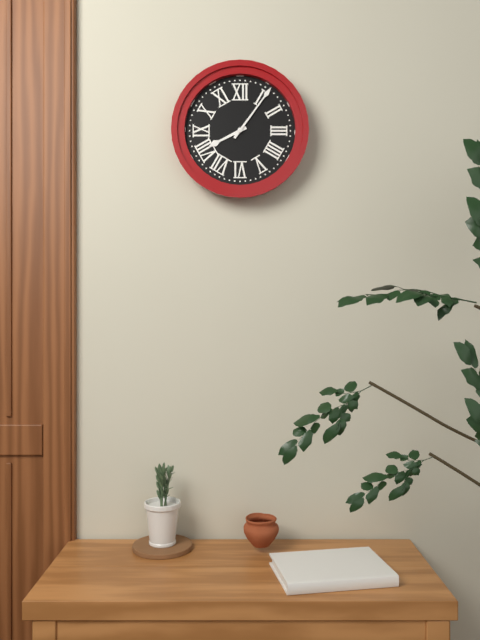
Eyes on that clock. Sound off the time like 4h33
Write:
8h06
